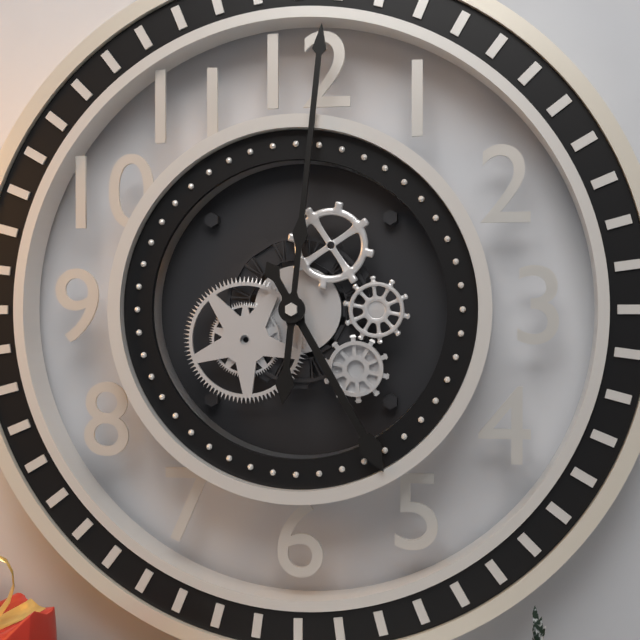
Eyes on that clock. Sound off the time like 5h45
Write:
5h01
